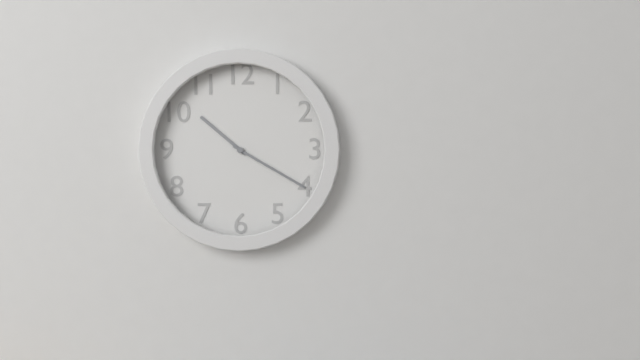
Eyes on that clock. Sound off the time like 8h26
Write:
10h20
